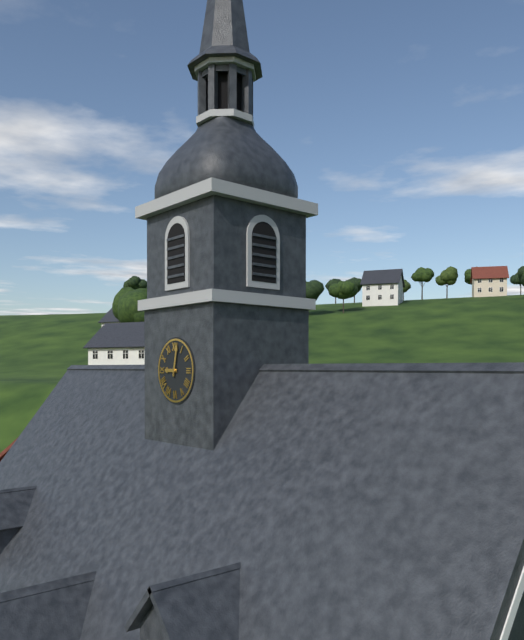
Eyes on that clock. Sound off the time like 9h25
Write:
9h02
